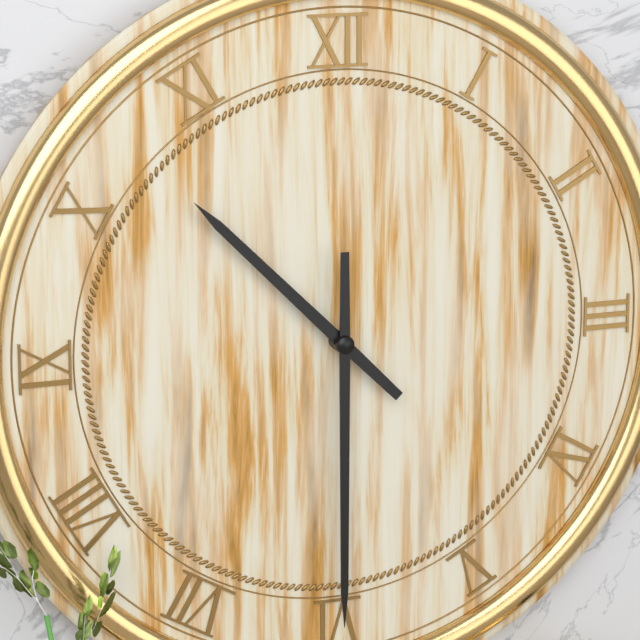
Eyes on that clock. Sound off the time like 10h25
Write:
10h30
